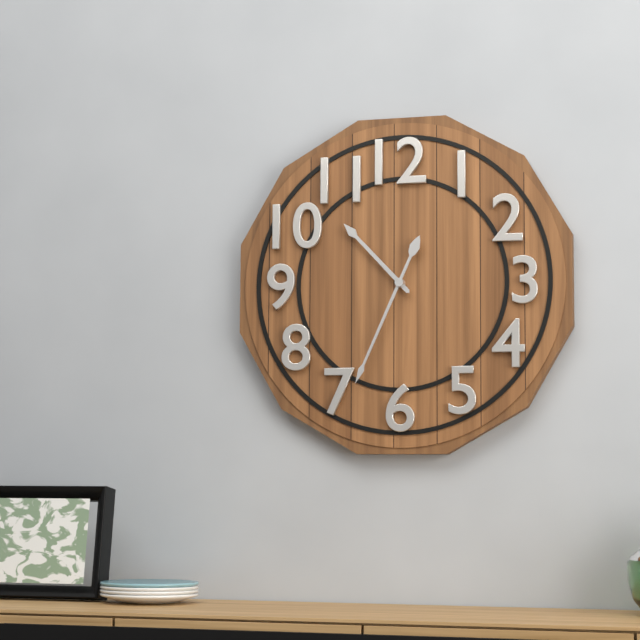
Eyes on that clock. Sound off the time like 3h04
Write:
10h34
